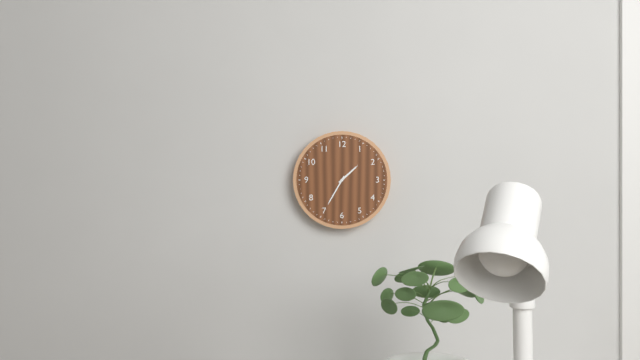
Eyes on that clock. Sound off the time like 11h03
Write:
1h35
